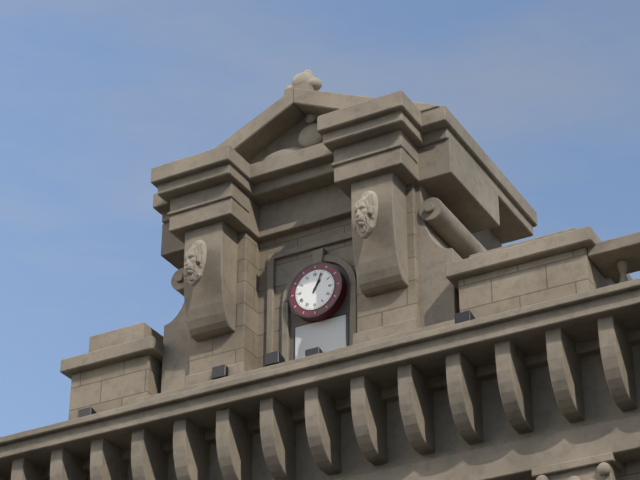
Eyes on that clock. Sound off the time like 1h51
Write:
1h04
